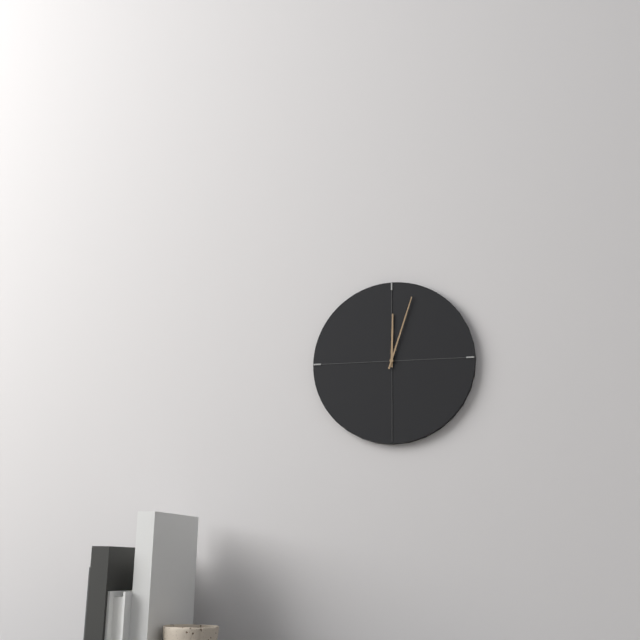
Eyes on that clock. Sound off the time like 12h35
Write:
12h03
